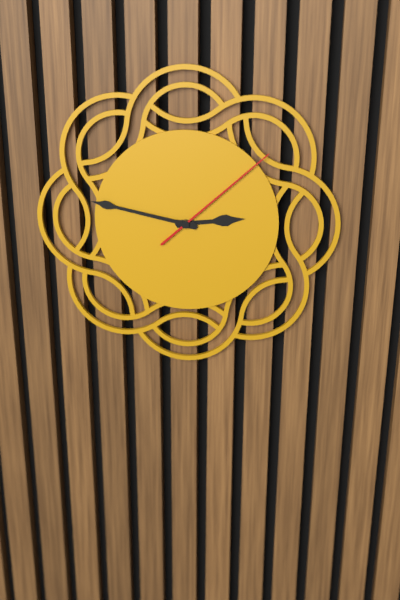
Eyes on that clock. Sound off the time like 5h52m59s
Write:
2h47m08s
